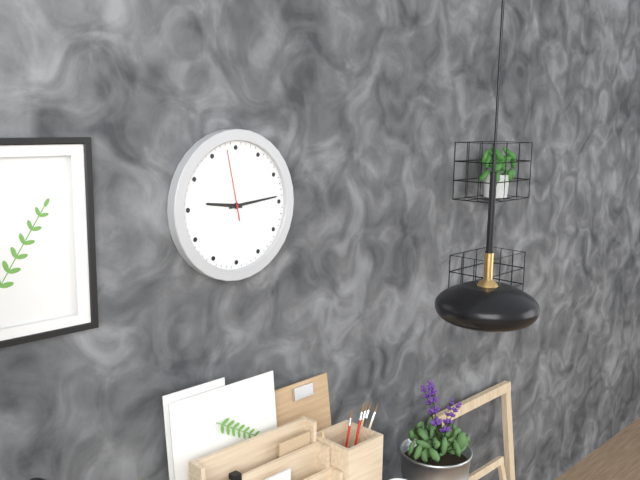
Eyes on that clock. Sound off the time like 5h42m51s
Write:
9h14m58s
